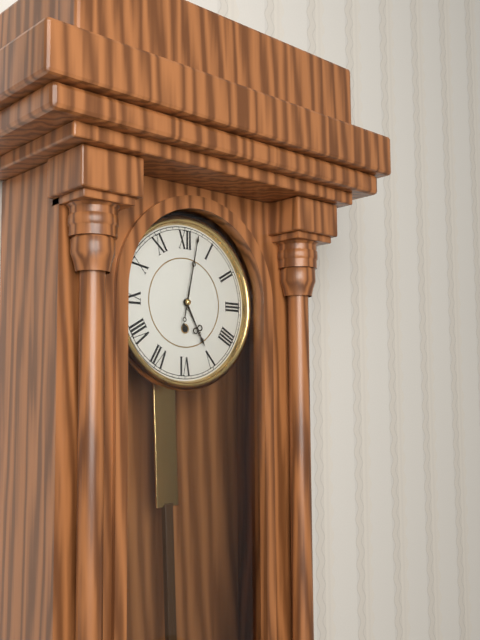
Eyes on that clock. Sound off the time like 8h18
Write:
5h02
